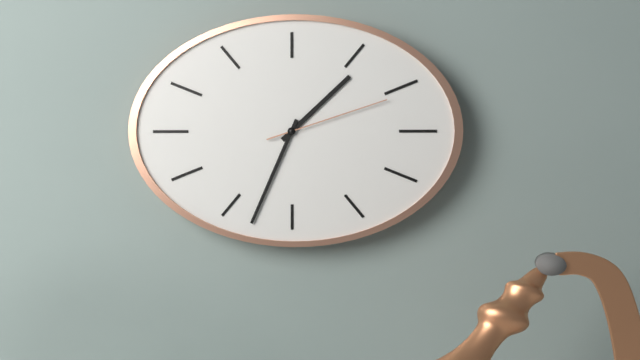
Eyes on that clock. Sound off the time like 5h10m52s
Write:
1h34m12s
